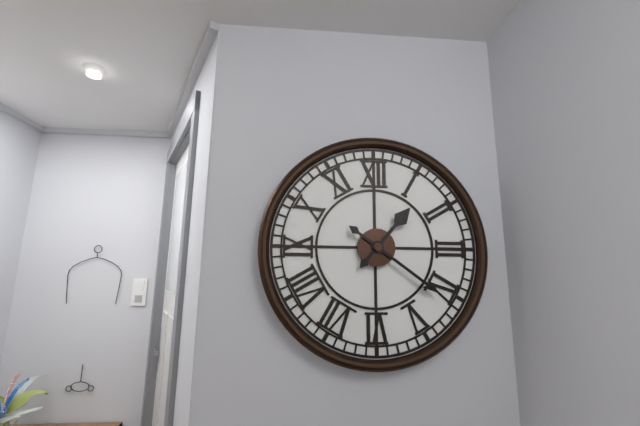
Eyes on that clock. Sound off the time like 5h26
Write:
1h21
